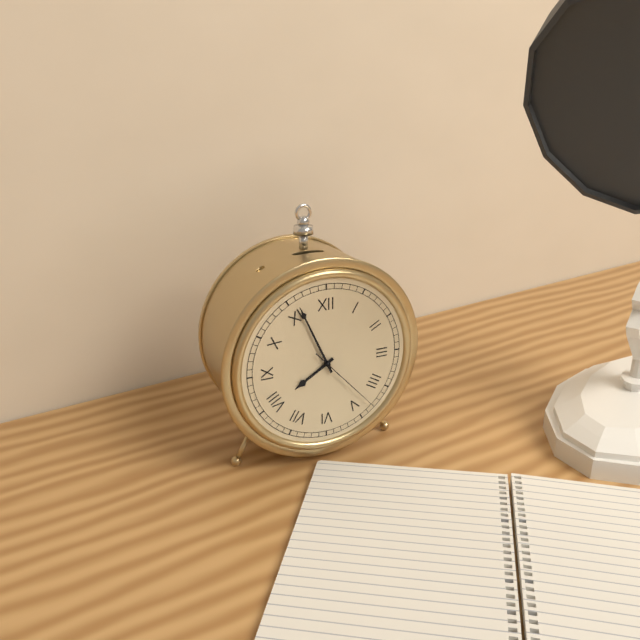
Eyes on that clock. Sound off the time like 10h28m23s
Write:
7h56m23s
